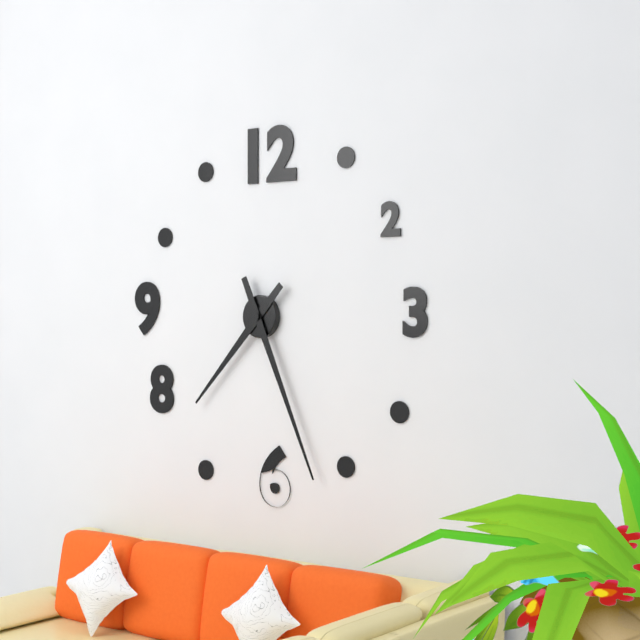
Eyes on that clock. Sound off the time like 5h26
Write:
7h26
